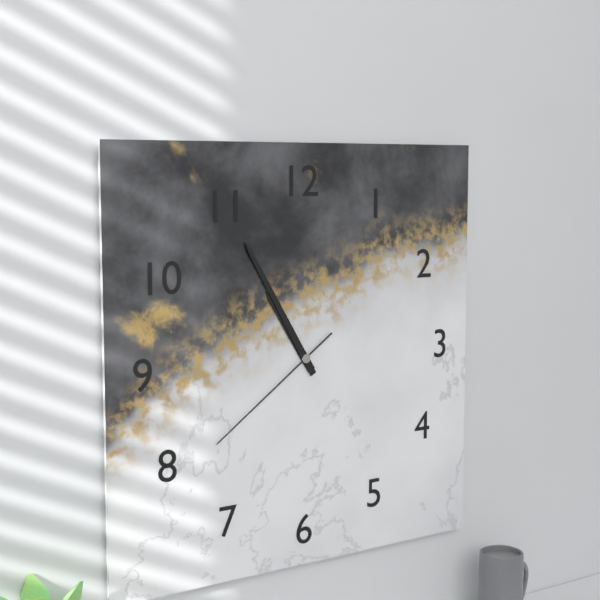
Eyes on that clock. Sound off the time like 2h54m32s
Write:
10h55m39s
